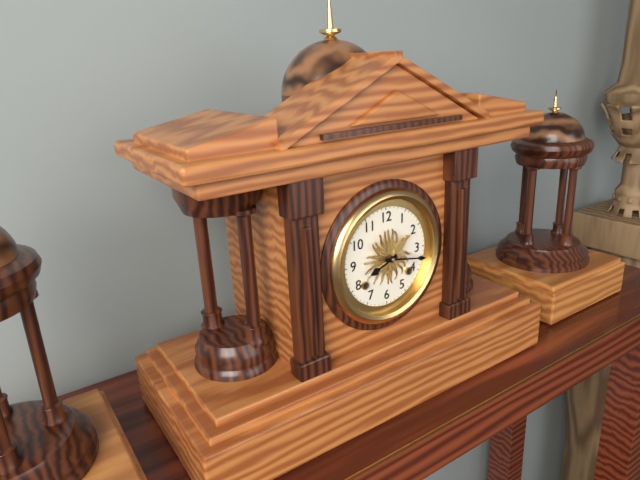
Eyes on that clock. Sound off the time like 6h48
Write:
8h17
